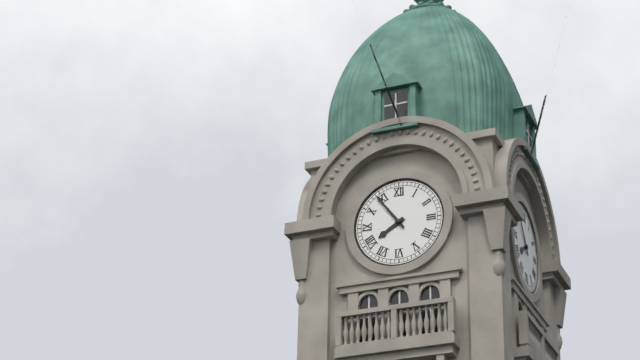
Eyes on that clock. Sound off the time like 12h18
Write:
7h54
